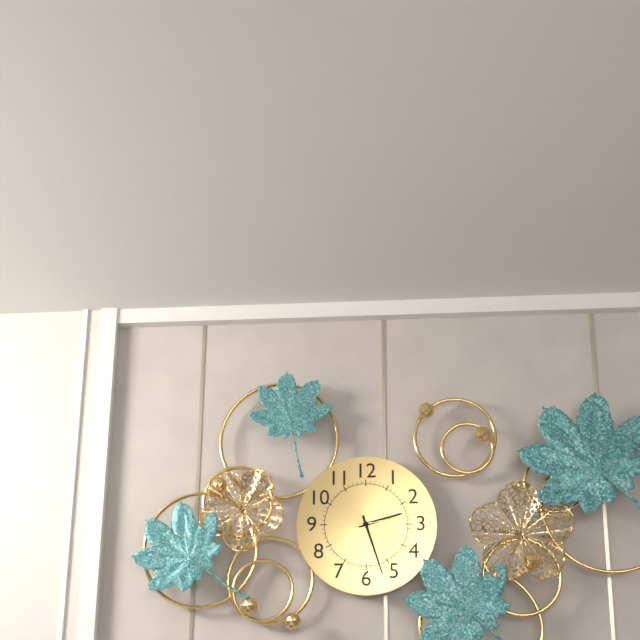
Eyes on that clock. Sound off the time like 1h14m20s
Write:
2h27m13s
